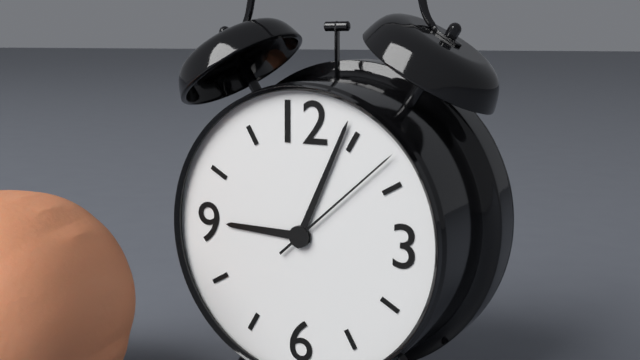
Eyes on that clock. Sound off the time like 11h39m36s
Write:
9h04m08s
